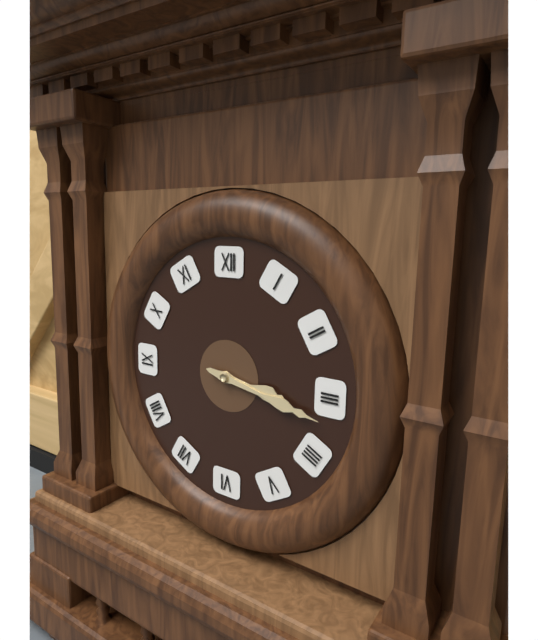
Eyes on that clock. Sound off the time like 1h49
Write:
3h17
